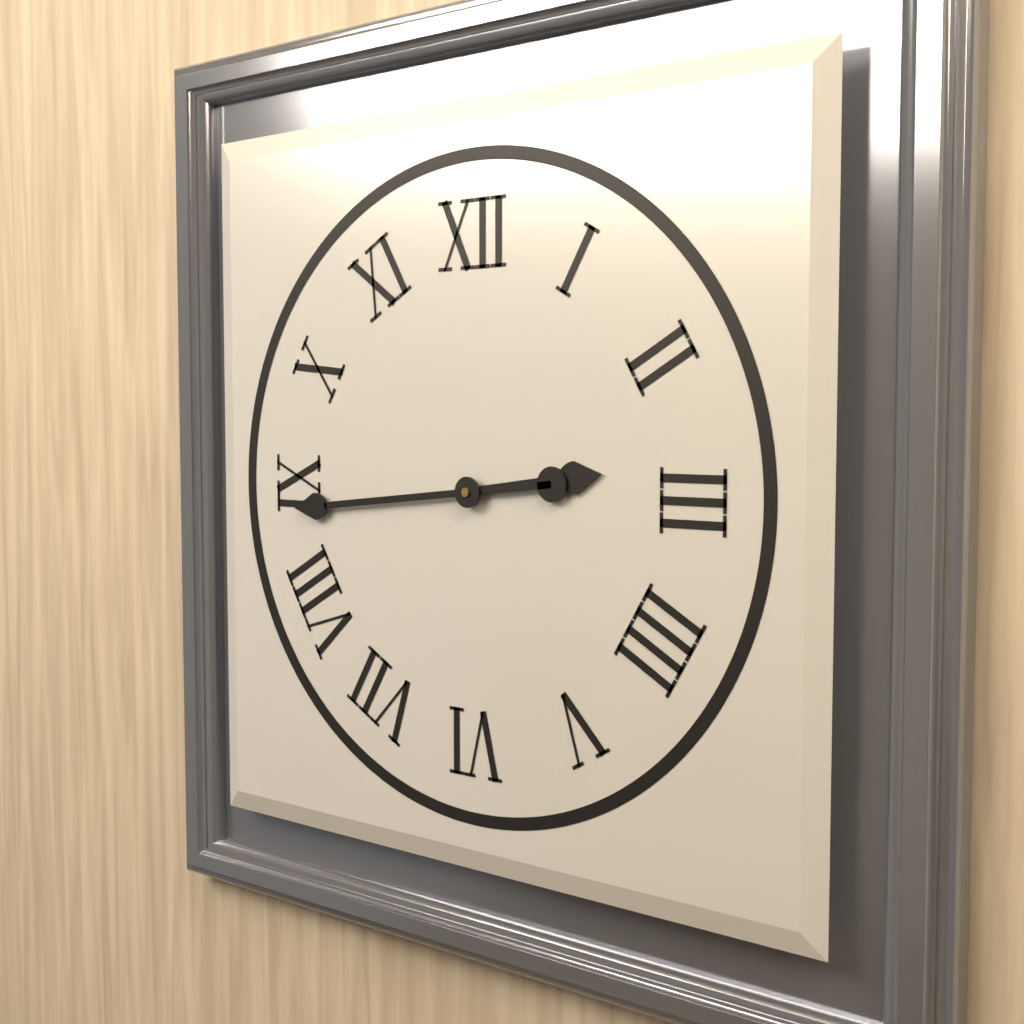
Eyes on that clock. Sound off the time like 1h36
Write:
2h44
